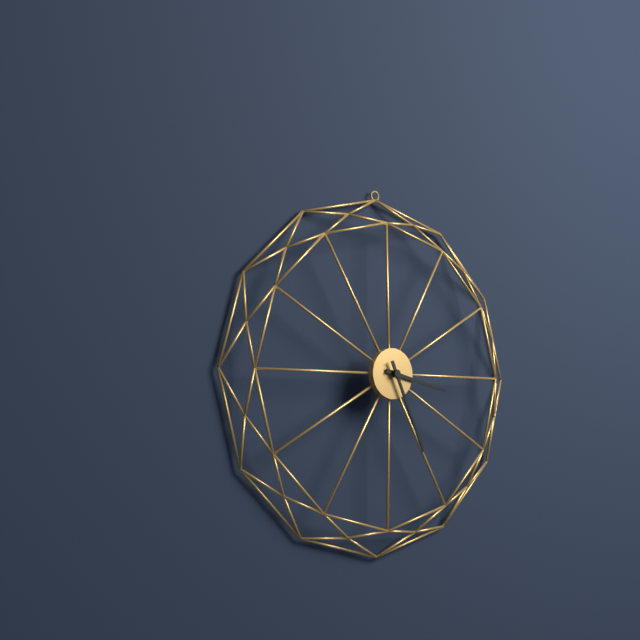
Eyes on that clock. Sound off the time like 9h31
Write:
3h26
